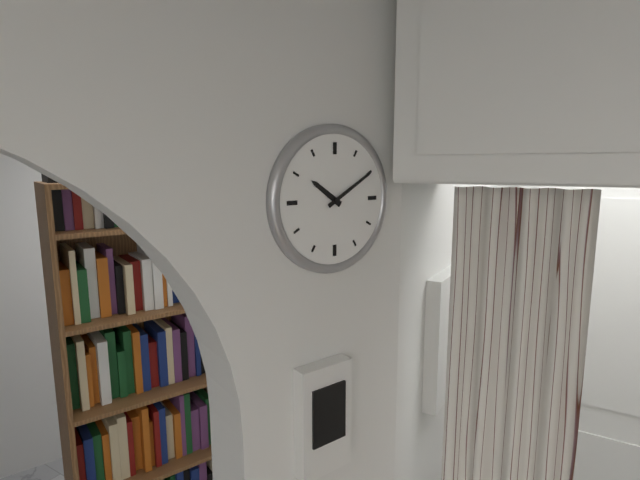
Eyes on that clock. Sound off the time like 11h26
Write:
10h10
